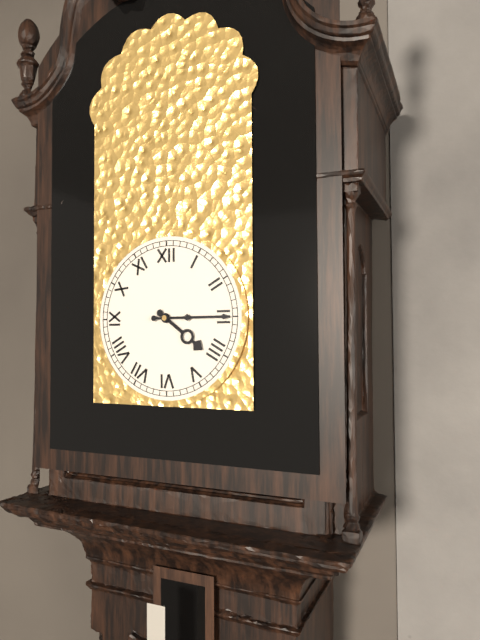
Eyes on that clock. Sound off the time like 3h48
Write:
4h15
